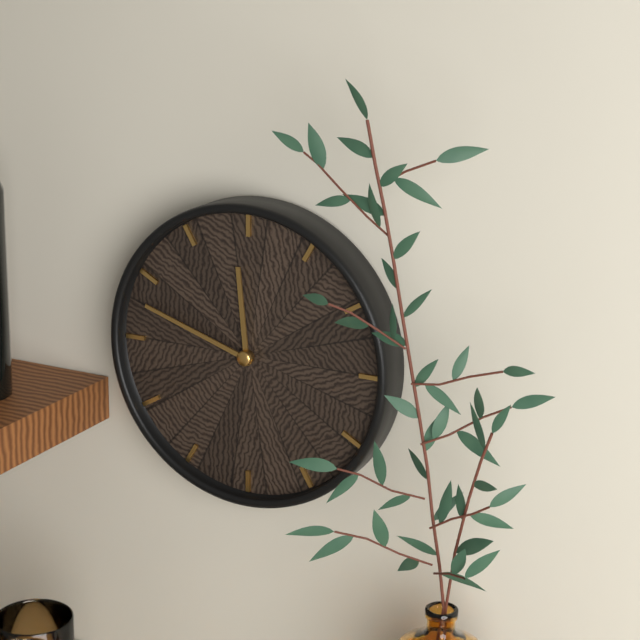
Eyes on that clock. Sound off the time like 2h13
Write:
11h48
